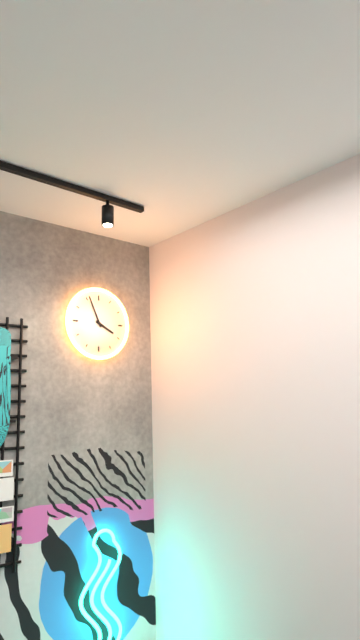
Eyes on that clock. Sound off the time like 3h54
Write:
3h56
